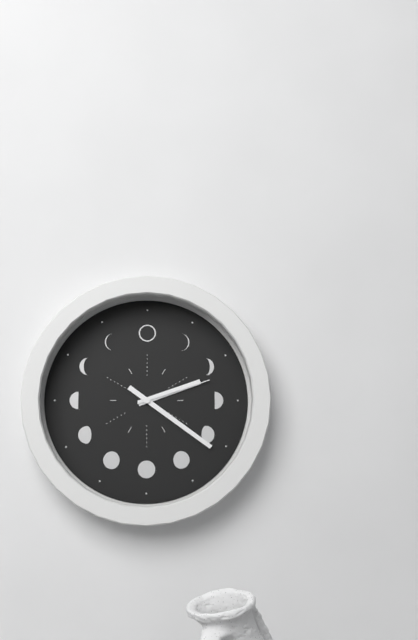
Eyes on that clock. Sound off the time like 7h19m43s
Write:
2h21m12s
